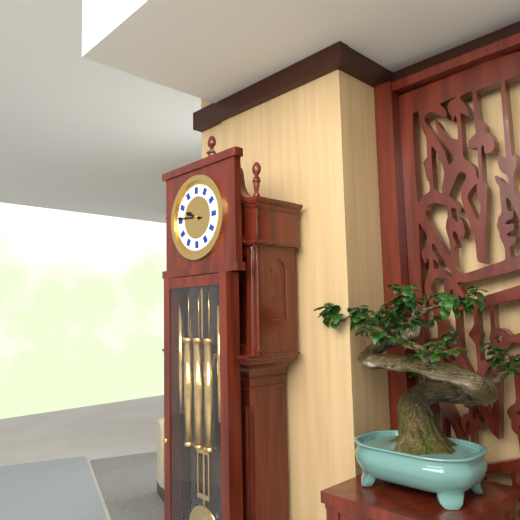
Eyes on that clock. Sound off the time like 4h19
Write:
9h46
